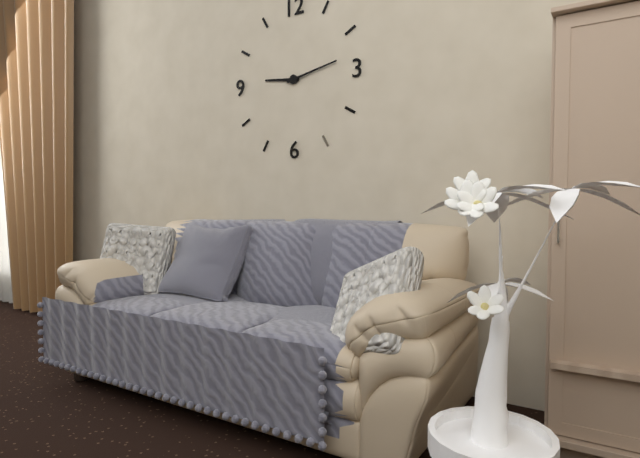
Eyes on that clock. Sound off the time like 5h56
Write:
9h13
